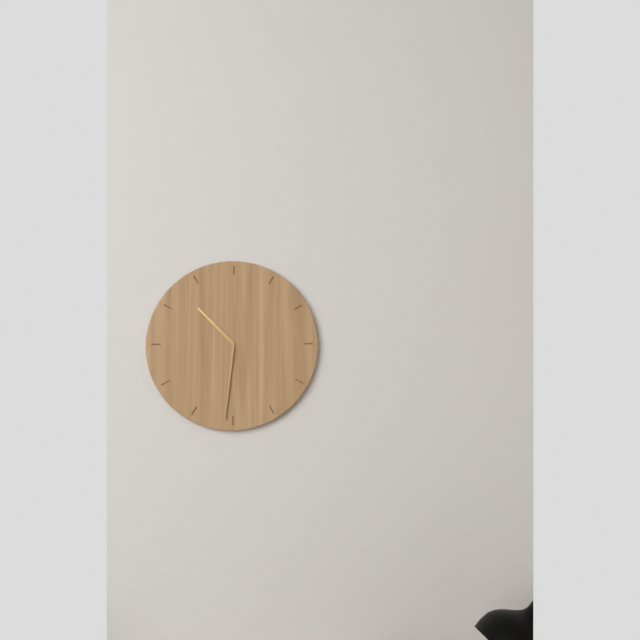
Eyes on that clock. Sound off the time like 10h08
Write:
10h31
